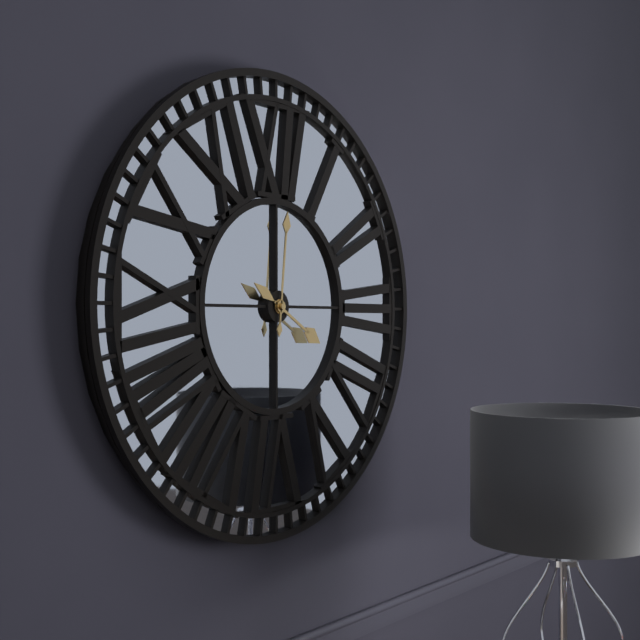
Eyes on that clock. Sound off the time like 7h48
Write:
4h01
